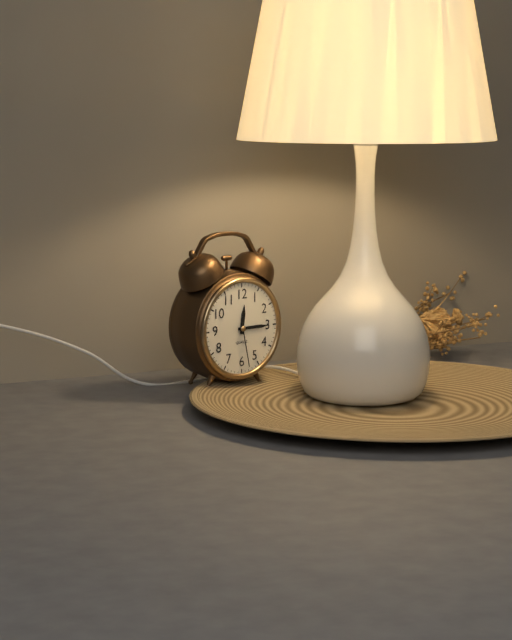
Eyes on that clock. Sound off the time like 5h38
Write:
12h15
